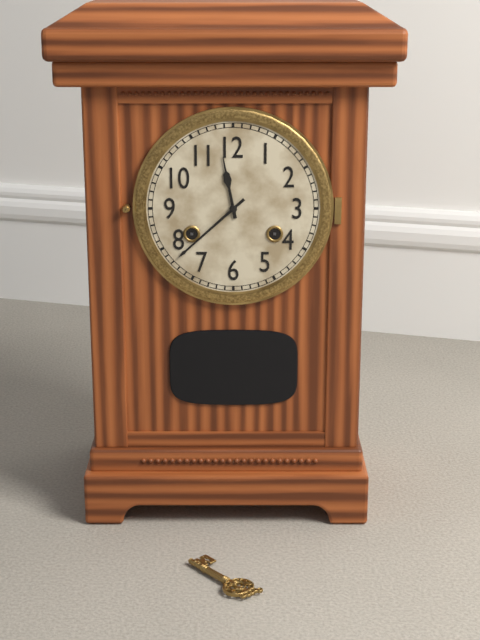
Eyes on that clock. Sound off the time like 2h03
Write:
11h38
